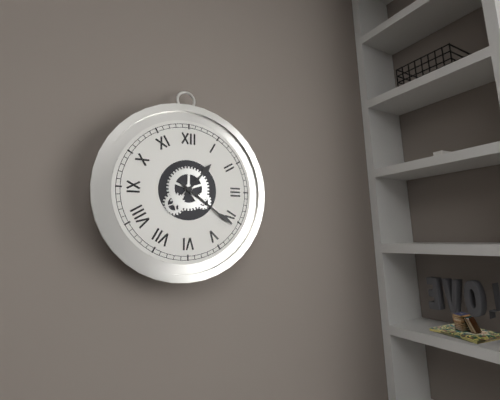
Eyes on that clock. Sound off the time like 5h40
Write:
1h21
